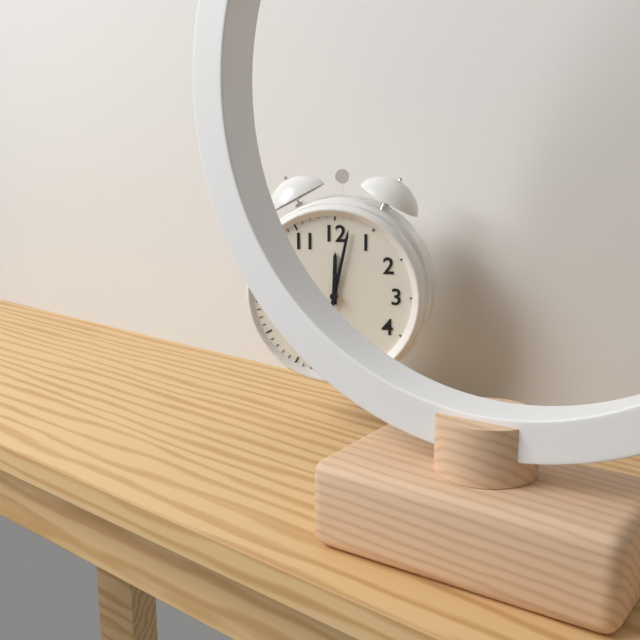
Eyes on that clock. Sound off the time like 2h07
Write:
12h02
